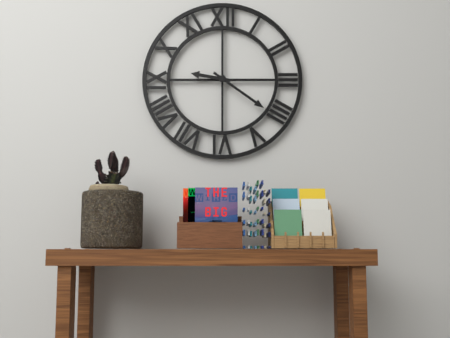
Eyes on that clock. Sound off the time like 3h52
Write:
9h21
